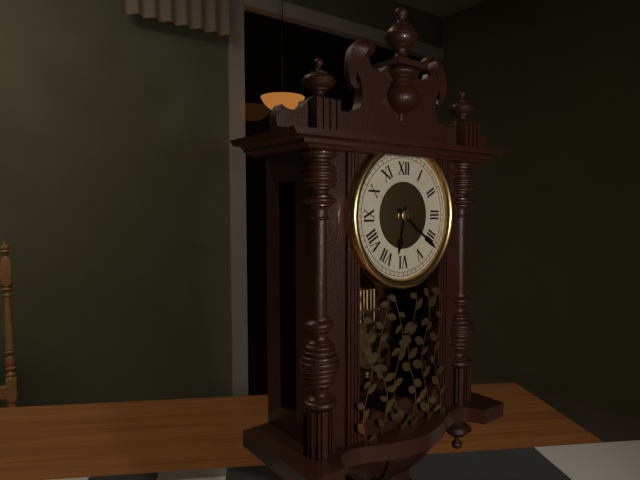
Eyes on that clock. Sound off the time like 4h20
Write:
6h21
